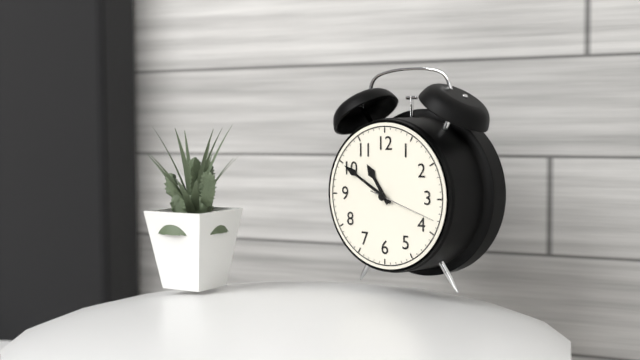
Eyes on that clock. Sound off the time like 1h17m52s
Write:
10h50m18s
